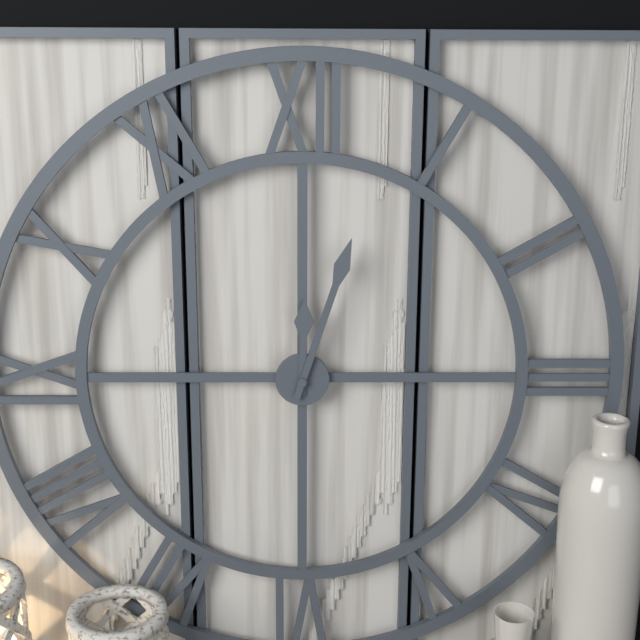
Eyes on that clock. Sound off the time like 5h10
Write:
12h03
